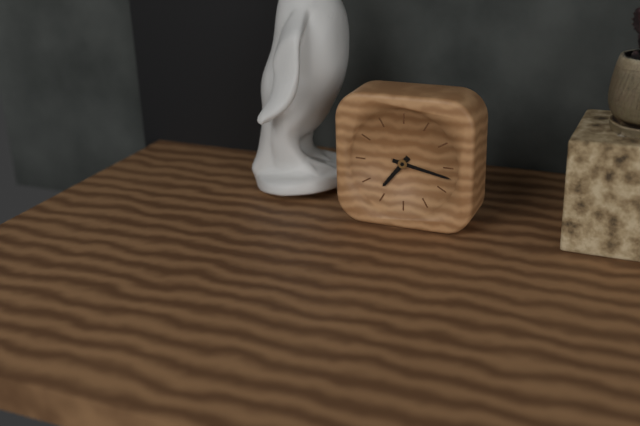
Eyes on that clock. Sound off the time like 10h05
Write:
7h17
